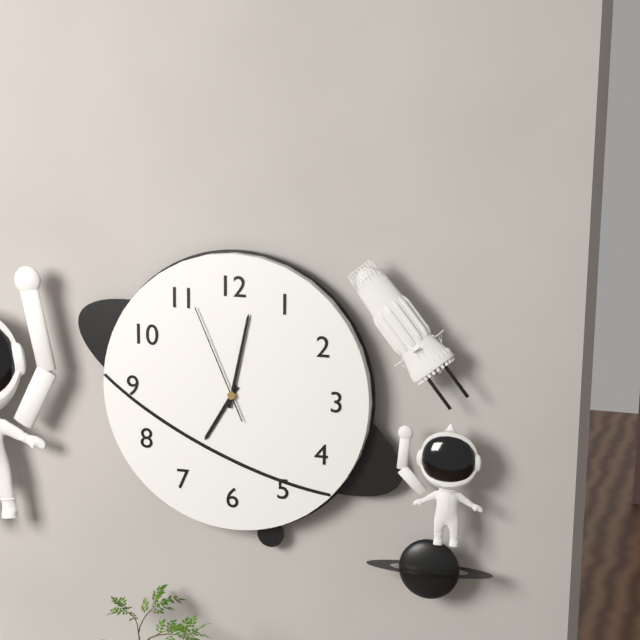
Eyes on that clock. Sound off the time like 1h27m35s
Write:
7h02m56s
